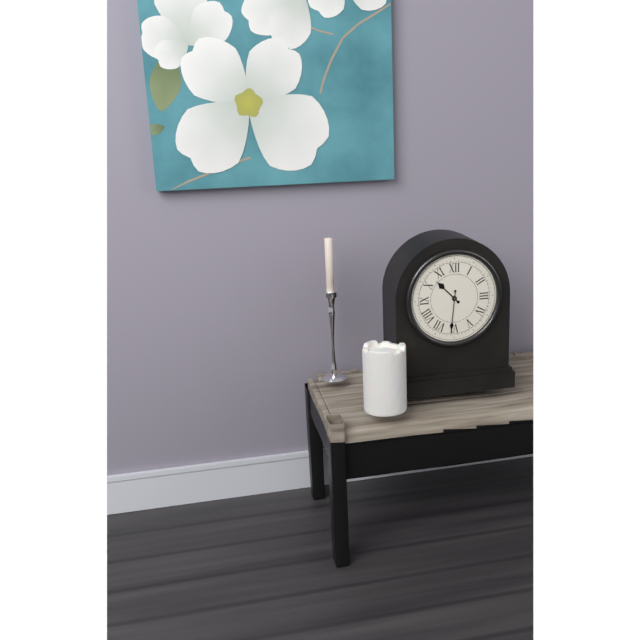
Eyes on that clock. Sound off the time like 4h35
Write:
10h31
